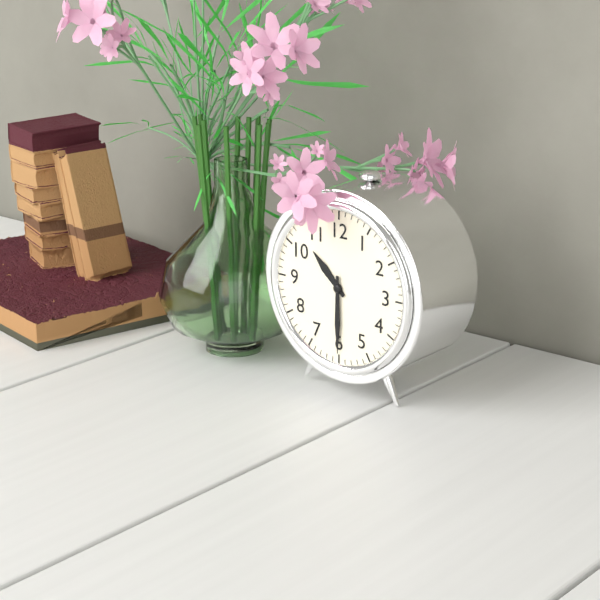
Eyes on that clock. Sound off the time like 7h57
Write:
10h30
